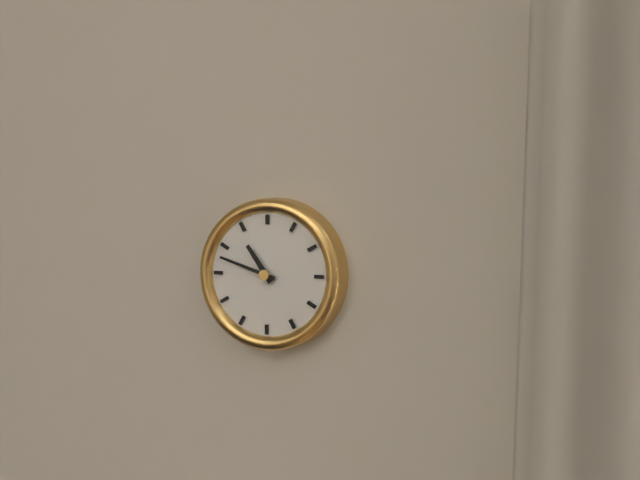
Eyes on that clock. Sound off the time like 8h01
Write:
10h48
